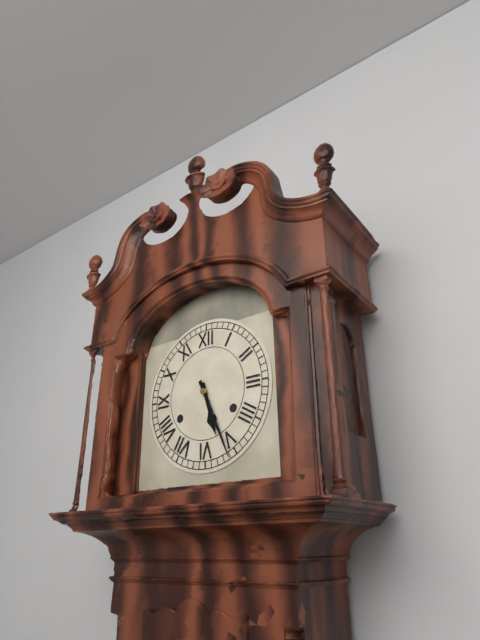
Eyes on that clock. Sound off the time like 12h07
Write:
5h26
